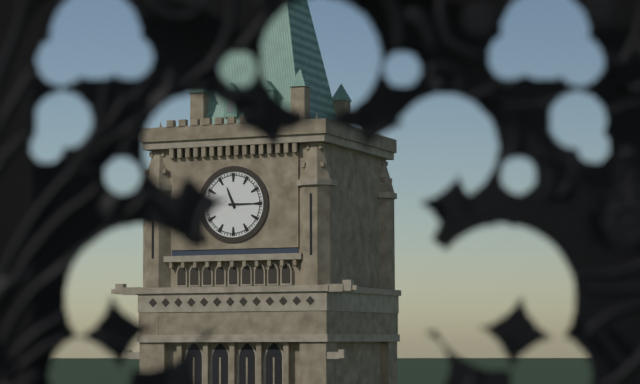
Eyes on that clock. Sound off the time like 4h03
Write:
11h15
